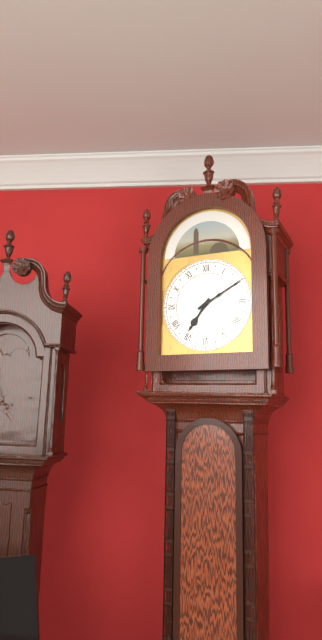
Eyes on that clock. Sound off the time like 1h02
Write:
7h10
